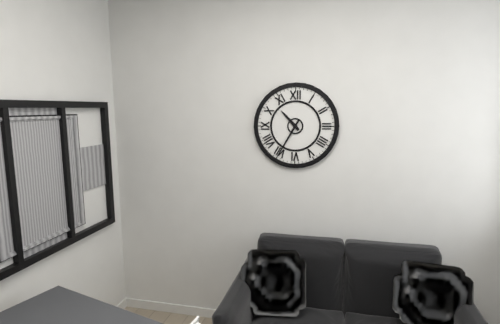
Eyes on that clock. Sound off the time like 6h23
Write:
10h35
